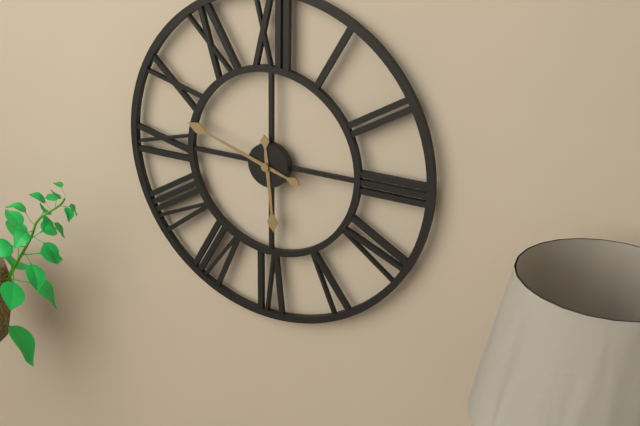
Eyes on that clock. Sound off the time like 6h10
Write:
5h48
